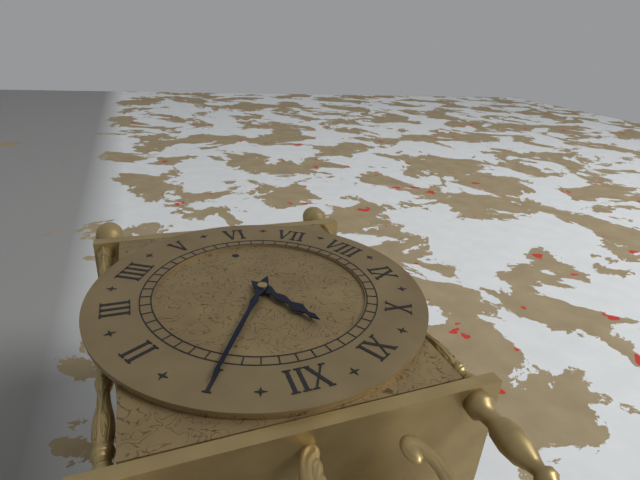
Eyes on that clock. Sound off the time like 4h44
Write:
11h05
